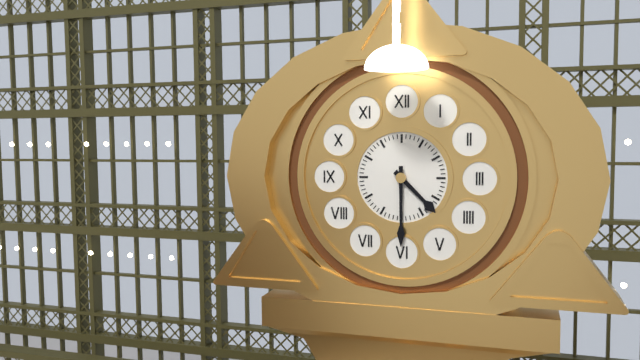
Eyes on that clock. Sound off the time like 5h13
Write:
4h30
